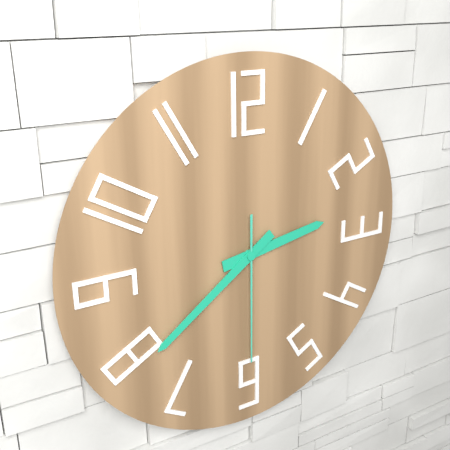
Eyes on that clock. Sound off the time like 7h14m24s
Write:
2h39m30s
